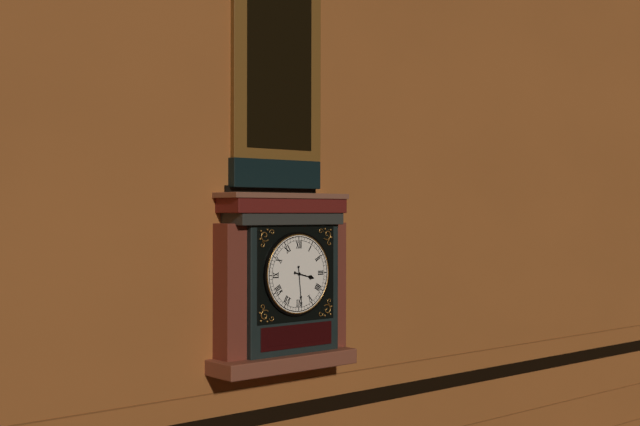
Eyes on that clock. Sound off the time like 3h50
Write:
3h29
